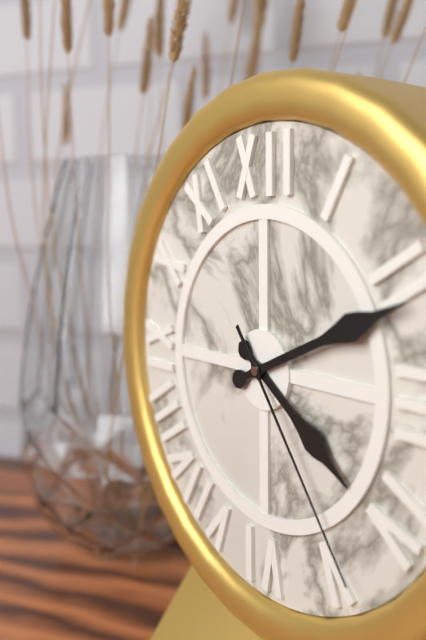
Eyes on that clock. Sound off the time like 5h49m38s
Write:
4h11m24s
